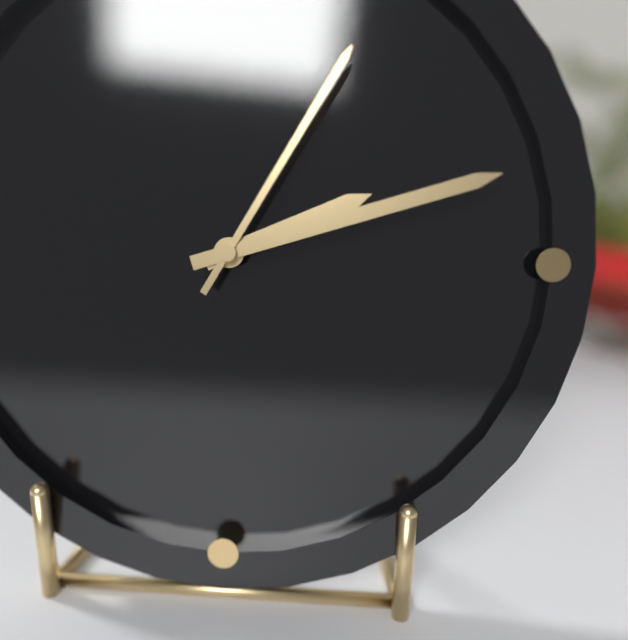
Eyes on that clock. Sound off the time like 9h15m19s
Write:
2h12m05s
